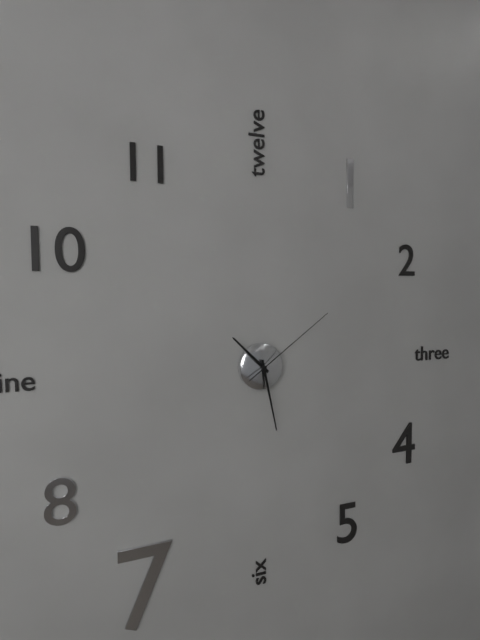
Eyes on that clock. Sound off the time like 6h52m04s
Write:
10h28m09s
